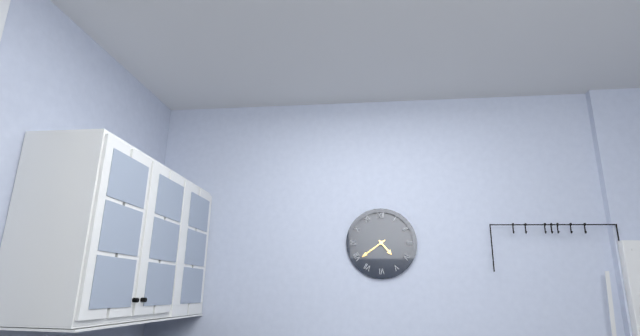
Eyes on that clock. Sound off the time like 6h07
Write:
4h39
